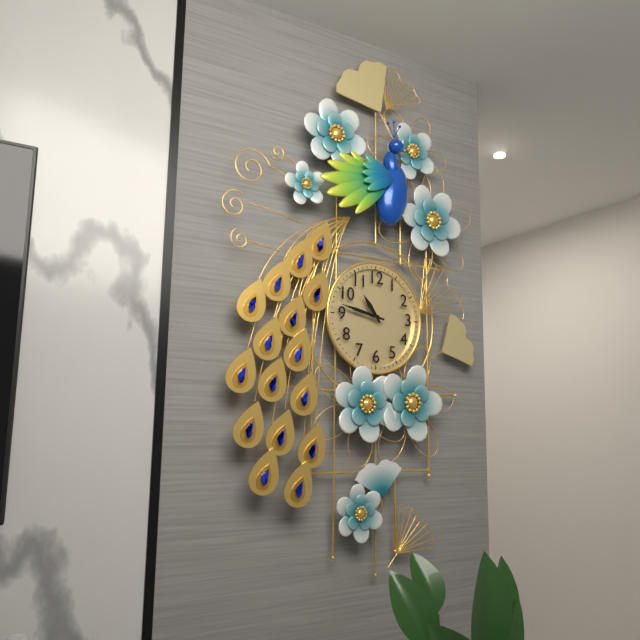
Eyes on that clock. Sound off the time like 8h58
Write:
10h47
